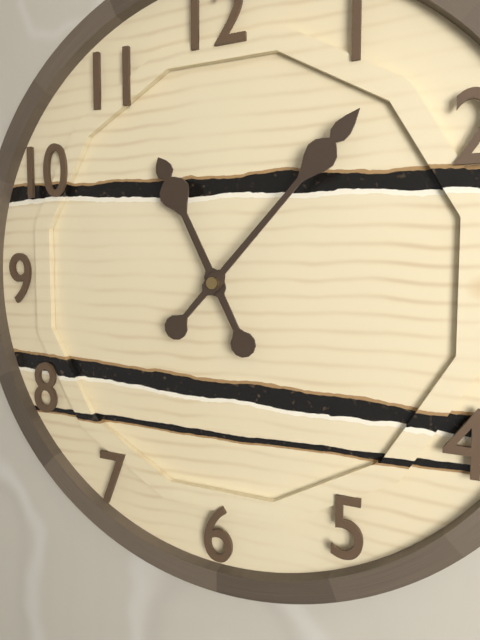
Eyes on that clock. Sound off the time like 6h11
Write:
11h07
